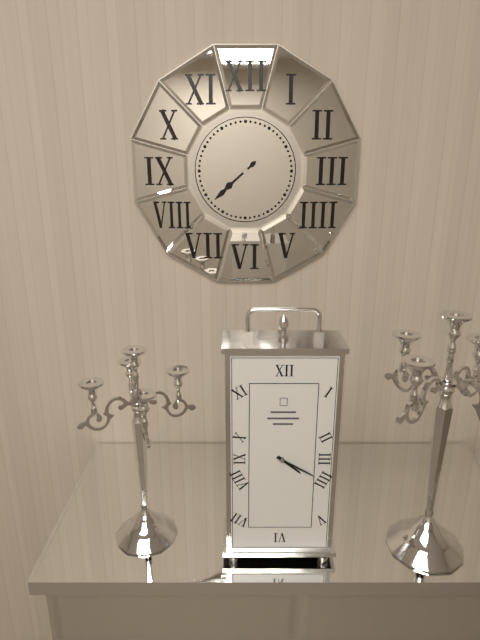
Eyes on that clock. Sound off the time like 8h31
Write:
7h38
